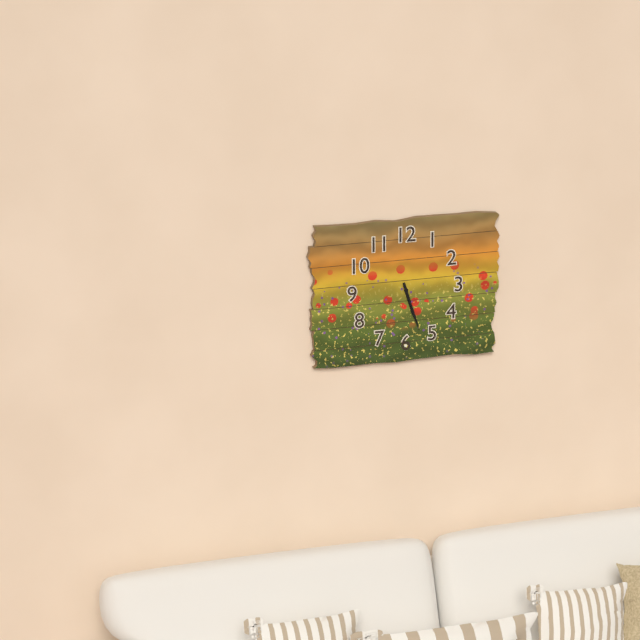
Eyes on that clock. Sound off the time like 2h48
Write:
5h27
